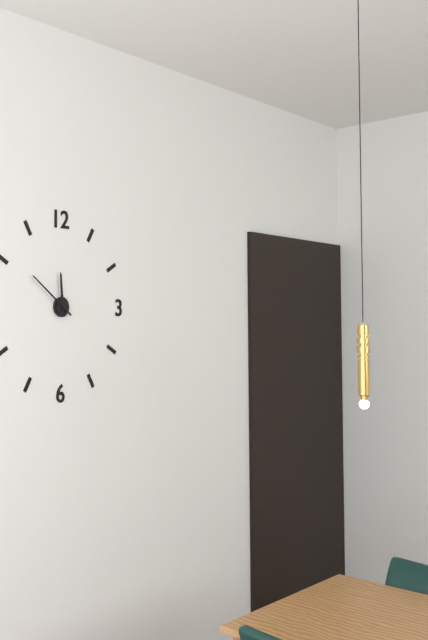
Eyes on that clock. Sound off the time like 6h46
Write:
11h51
